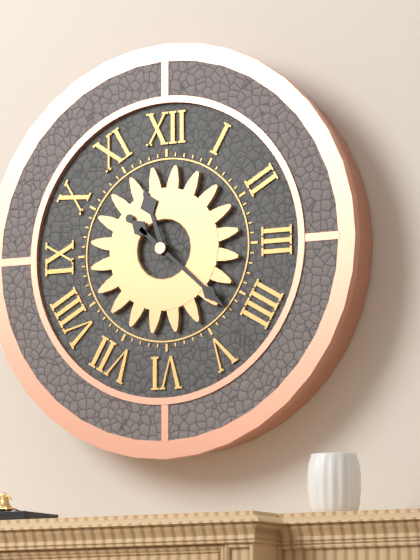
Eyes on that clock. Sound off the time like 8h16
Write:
11h22
